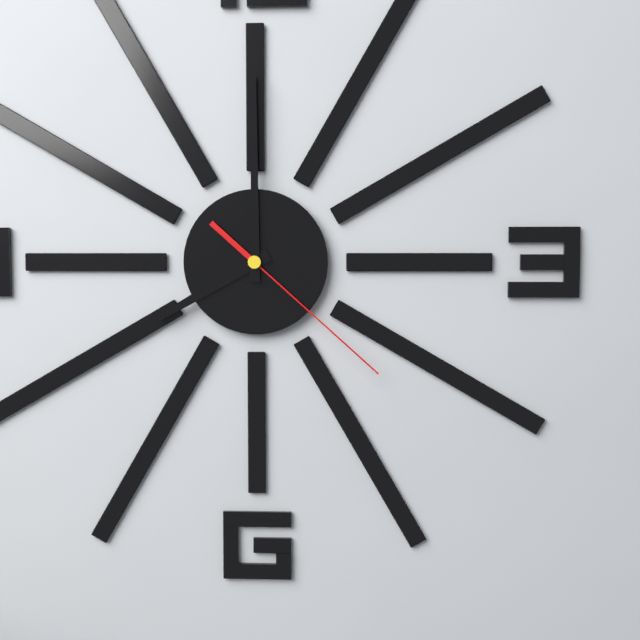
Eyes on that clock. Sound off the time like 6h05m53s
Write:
8h00m22s
